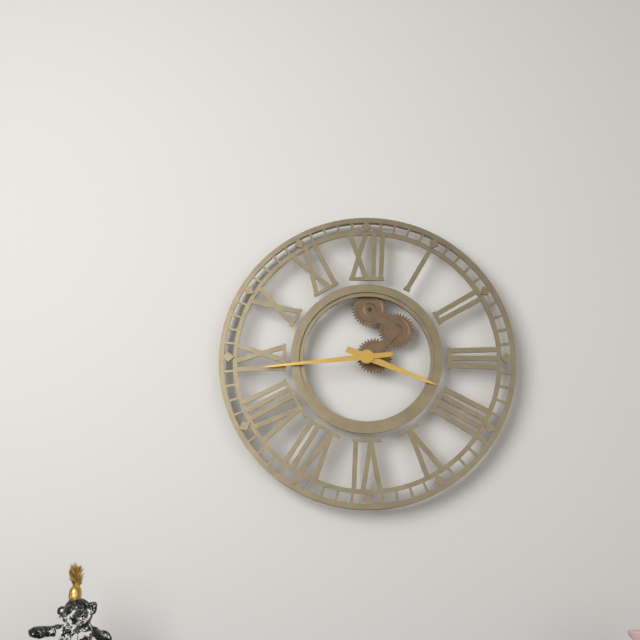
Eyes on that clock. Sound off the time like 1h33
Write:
3h44
